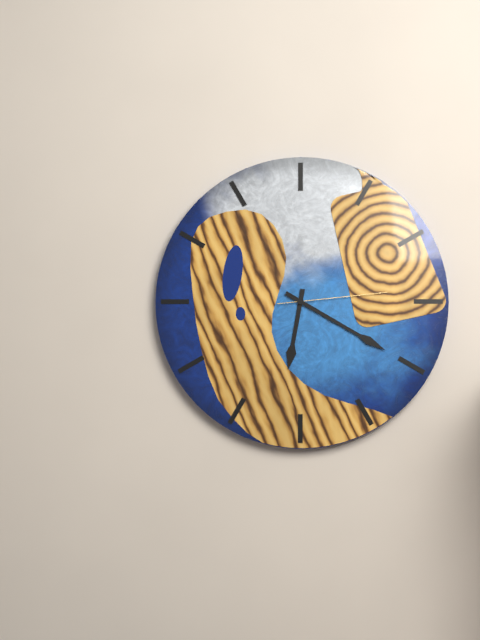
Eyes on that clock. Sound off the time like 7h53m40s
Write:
6h20m14s
